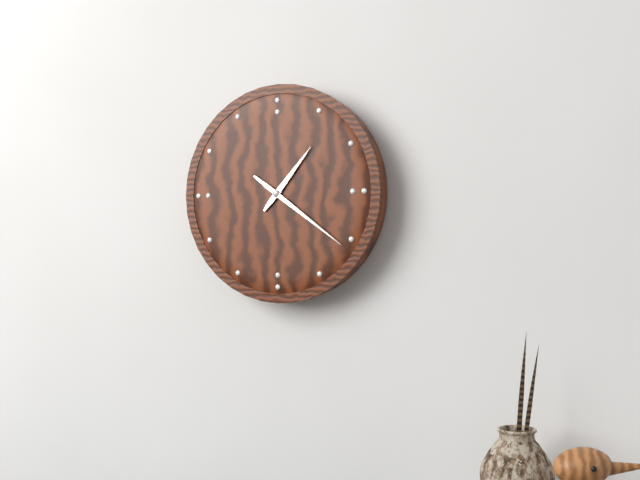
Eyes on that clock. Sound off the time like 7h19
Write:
1h21
